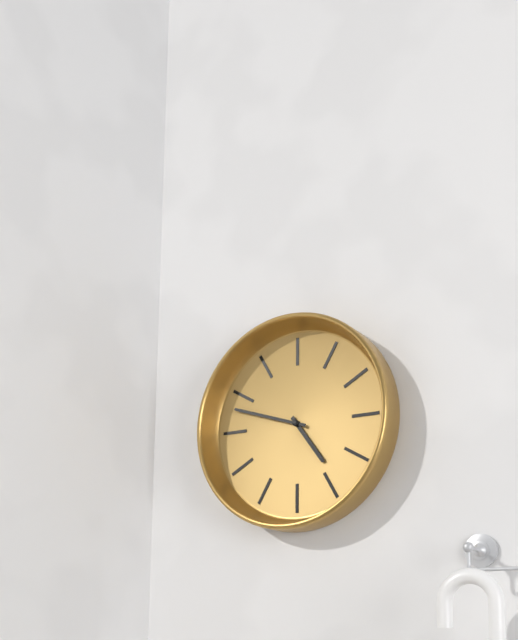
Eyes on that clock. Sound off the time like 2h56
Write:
4h48
